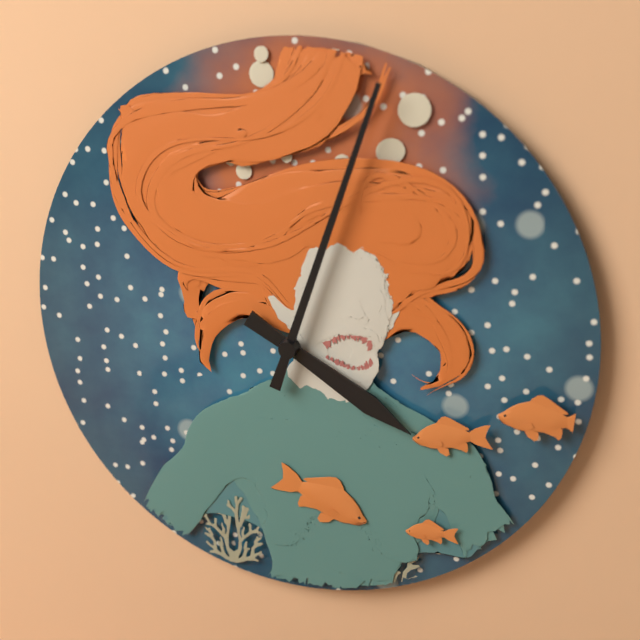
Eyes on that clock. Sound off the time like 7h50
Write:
4h03
